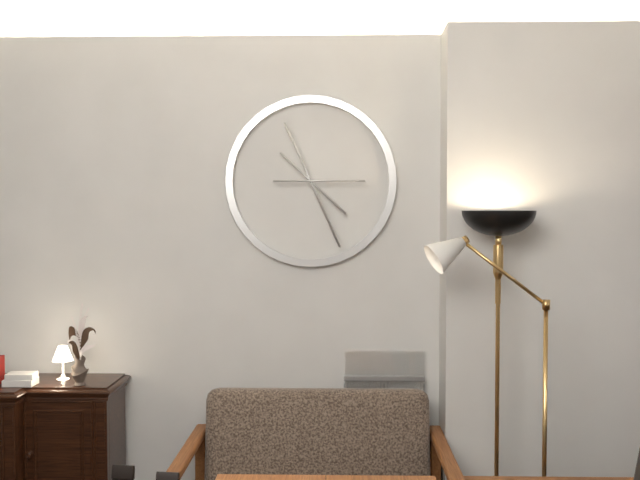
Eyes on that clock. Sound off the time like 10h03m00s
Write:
4h26m15s
